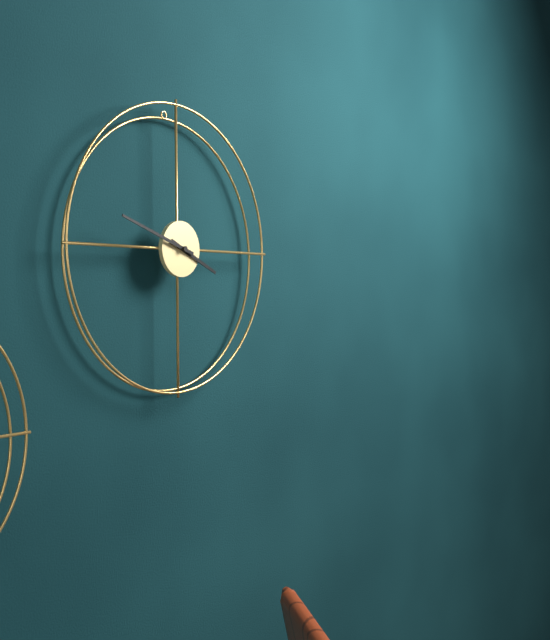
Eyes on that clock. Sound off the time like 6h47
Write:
3h48
